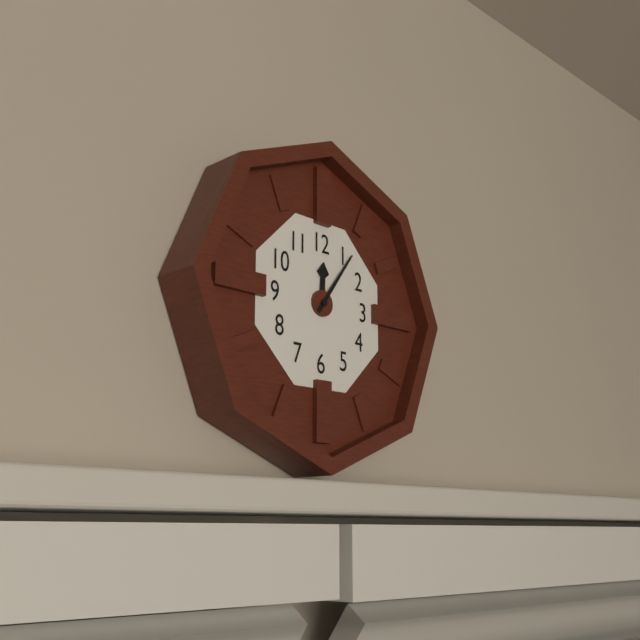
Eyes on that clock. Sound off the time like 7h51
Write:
12h06
